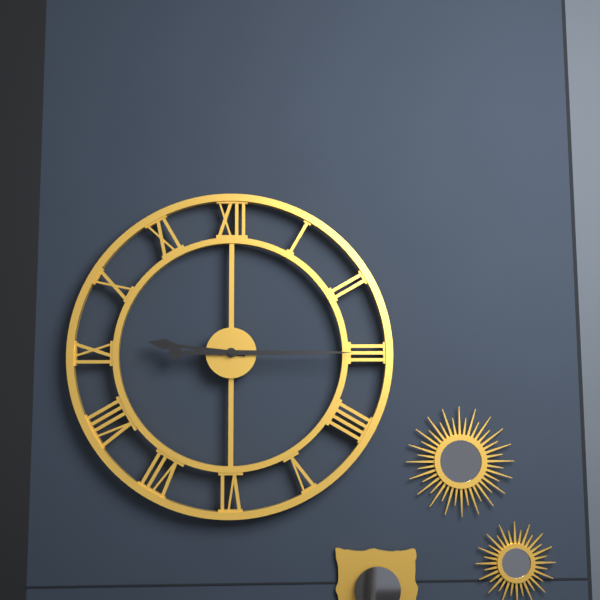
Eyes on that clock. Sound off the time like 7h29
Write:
9h15
